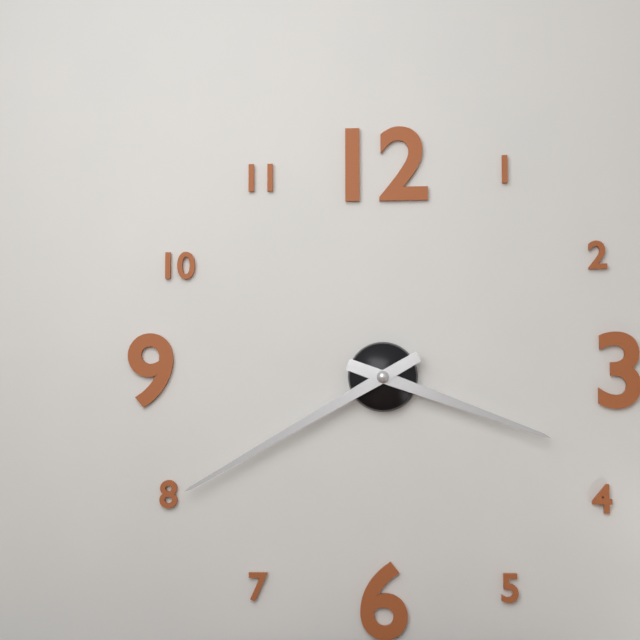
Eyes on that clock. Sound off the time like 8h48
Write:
3h40
